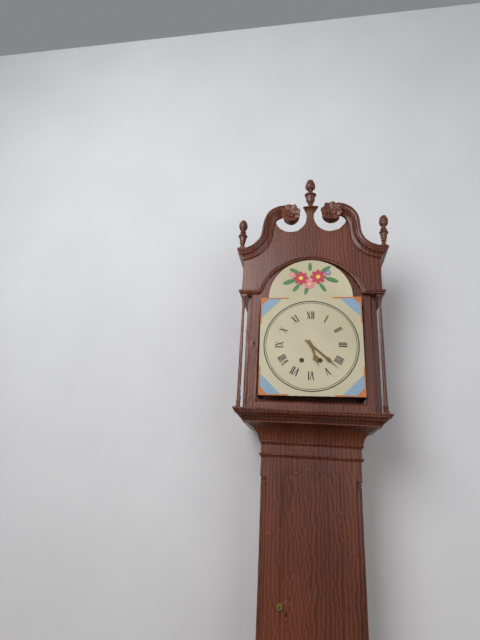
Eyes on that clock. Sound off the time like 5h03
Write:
5h22
